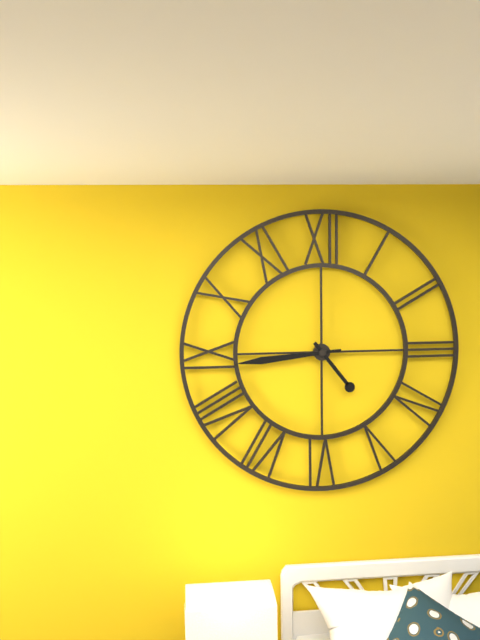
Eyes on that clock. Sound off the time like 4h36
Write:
4h44
